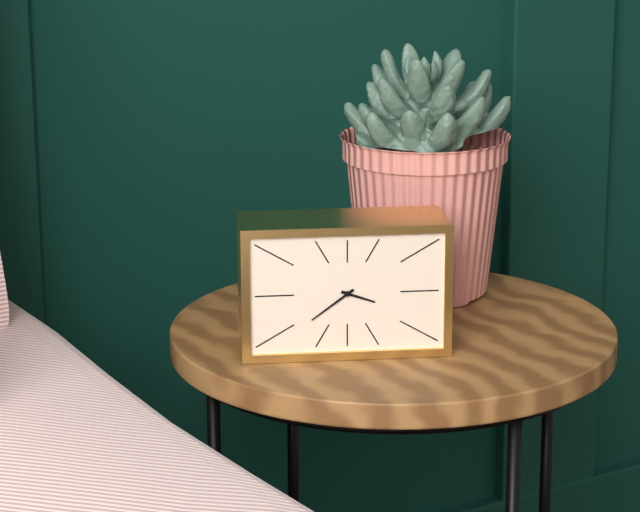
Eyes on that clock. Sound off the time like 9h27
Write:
3h39
